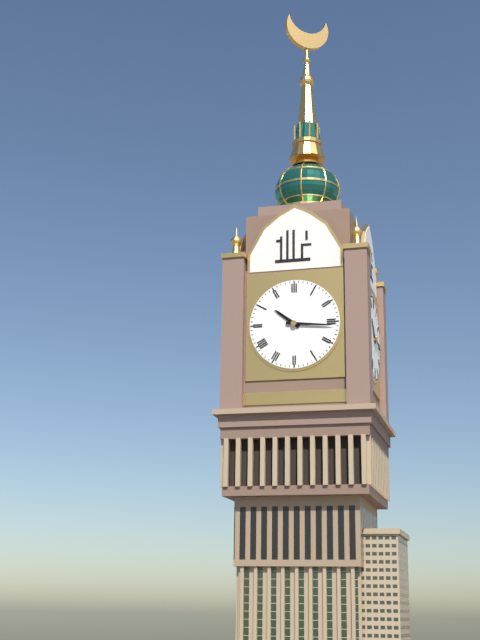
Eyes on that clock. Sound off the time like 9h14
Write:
10h16
